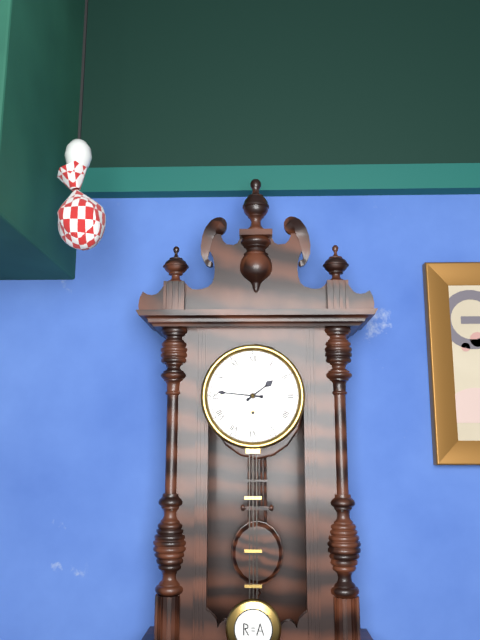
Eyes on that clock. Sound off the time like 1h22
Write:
1h46
